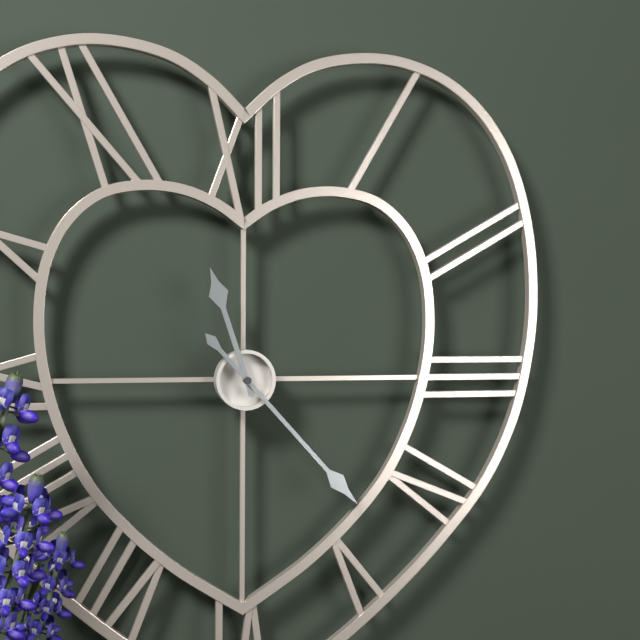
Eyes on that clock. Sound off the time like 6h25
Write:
11h23
